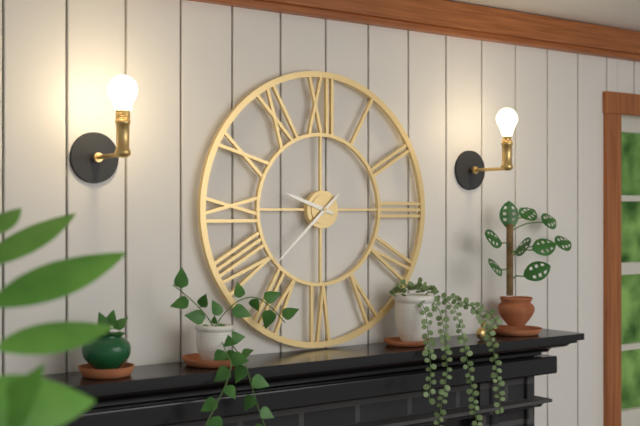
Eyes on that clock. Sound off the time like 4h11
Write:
9h38
